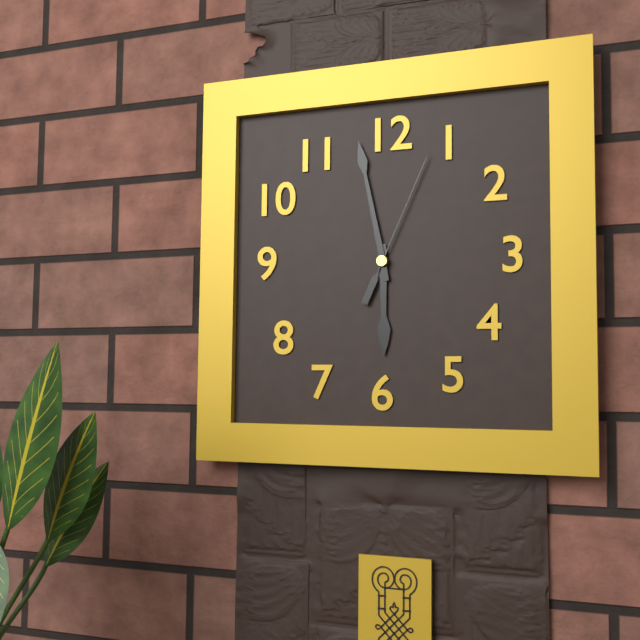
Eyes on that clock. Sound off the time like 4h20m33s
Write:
5h58m04s
